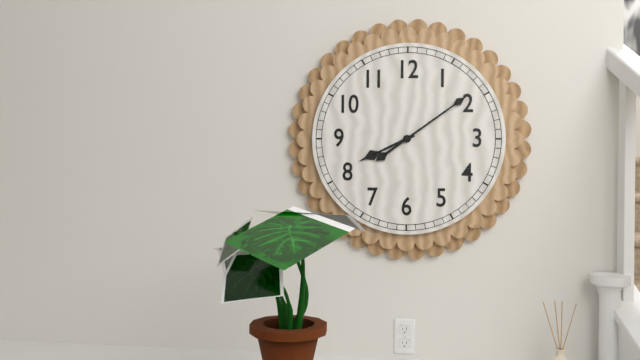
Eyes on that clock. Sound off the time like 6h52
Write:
8h09
